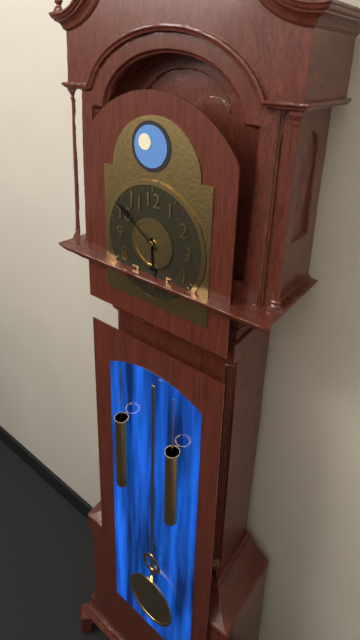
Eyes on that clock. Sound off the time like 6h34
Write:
5h51
